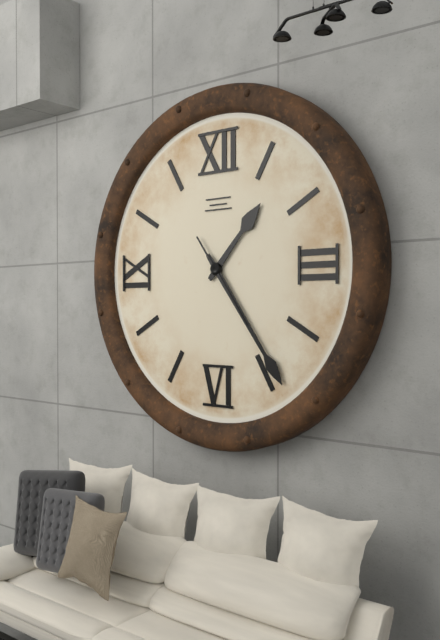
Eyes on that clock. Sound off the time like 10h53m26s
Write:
1h24m24s
